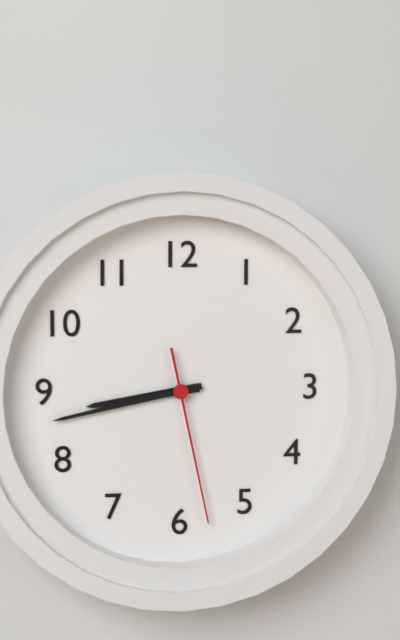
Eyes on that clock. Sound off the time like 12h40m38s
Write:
8h43m28s
